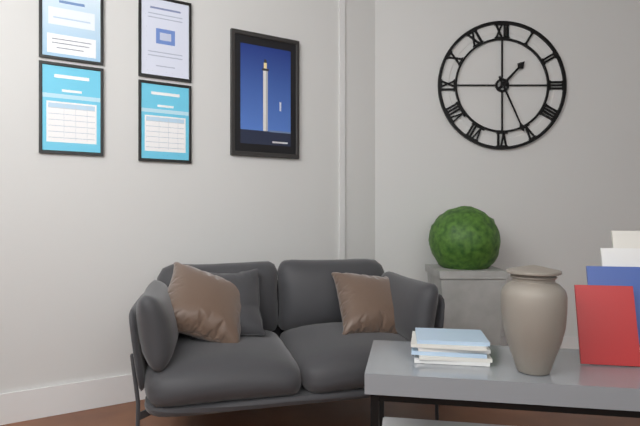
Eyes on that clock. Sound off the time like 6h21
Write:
1h26
